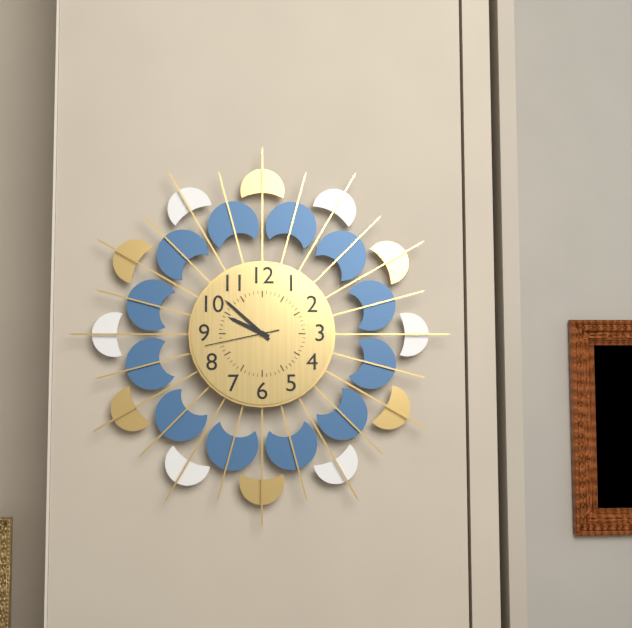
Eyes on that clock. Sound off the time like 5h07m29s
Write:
9h52m43s
